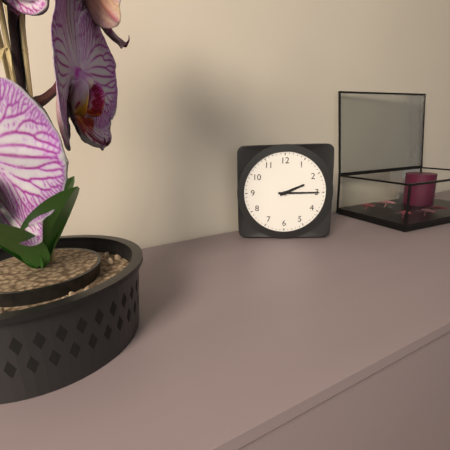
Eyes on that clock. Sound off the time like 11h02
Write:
2h15
